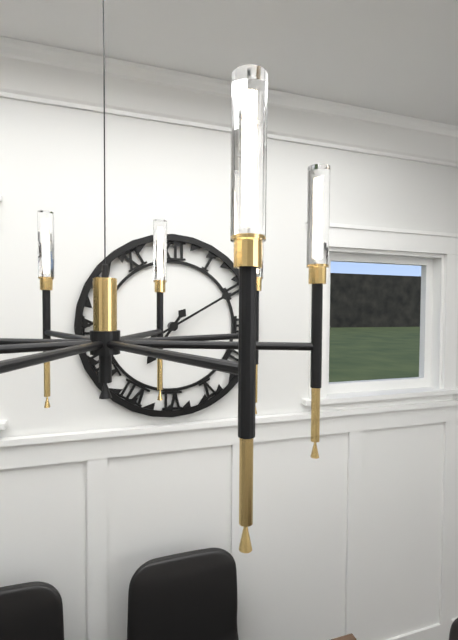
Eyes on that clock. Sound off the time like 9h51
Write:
7h10
